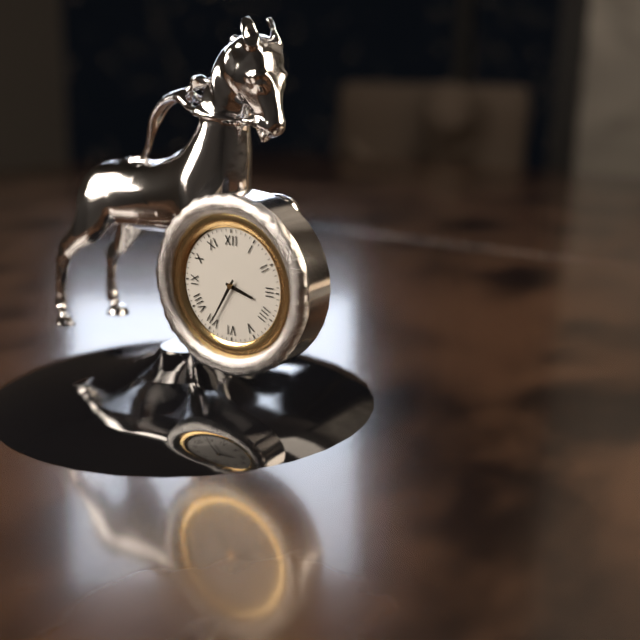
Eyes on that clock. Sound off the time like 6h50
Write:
3h35
